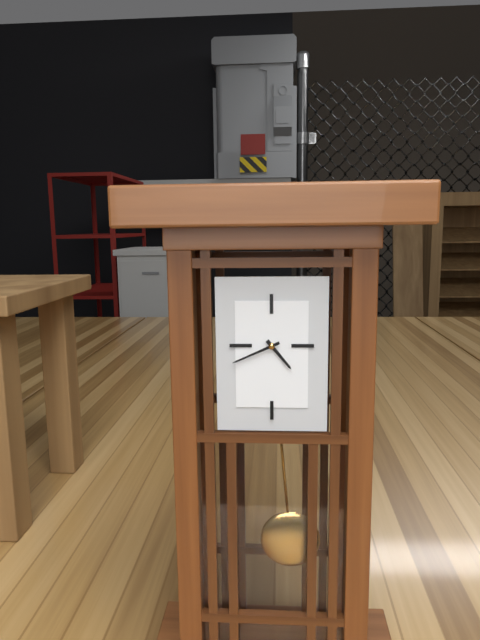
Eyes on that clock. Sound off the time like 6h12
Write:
4h41
